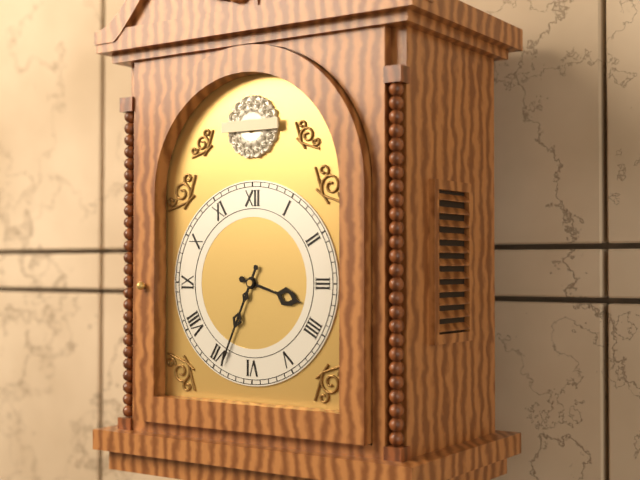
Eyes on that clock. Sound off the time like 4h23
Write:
3h34
